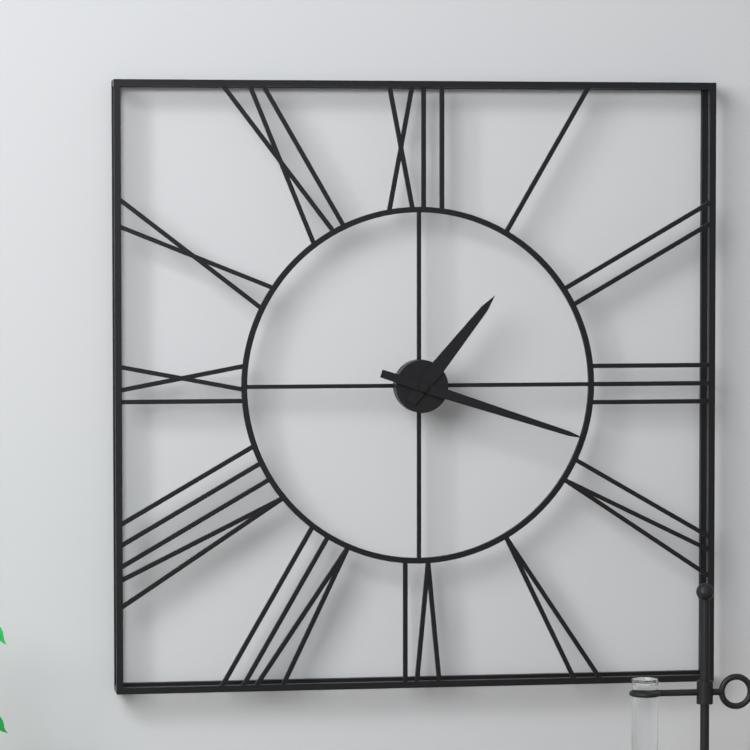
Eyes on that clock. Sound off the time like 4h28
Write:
1h18
